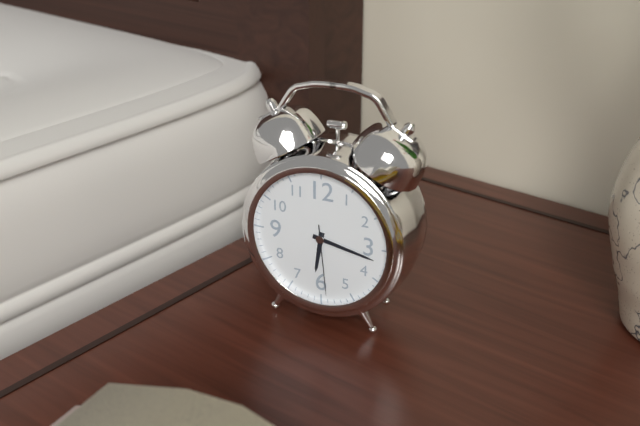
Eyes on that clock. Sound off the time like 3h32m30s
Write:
6h17m29s
